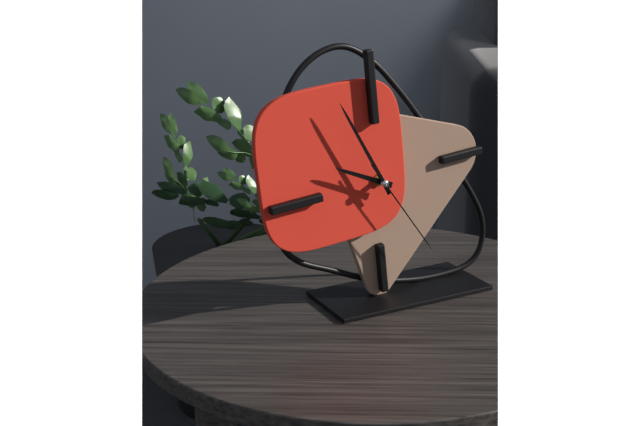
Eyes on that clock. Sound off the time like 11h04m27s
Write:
9h56m25s
